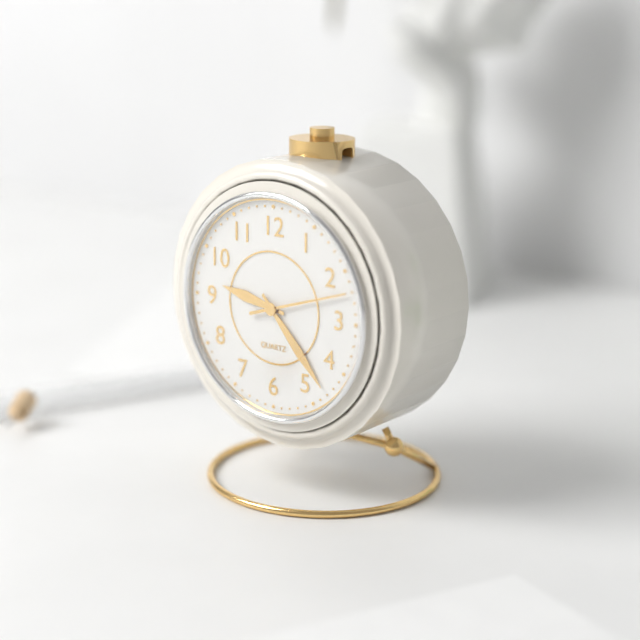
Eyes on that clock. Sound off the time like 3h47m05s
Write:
9h23m12s
